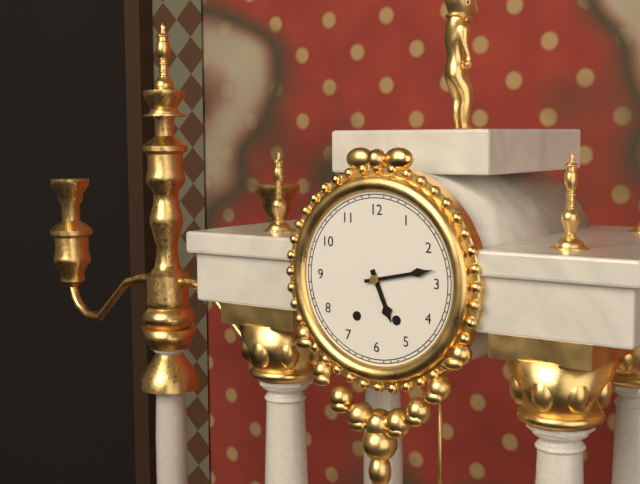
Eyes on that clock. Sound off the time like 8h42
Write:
5h13
